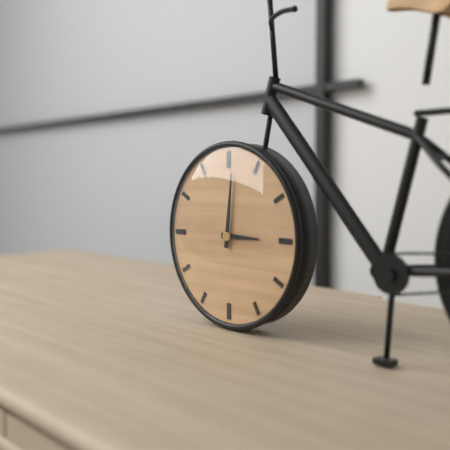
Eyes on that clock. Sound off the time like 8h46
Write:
3h01
